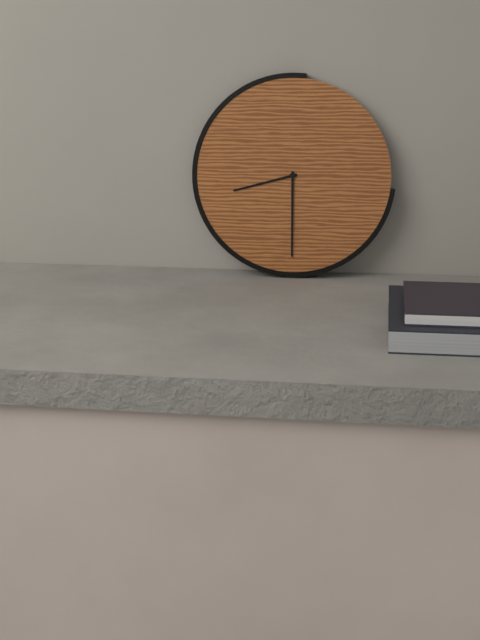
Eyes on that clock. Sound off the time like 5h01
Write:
8h30
